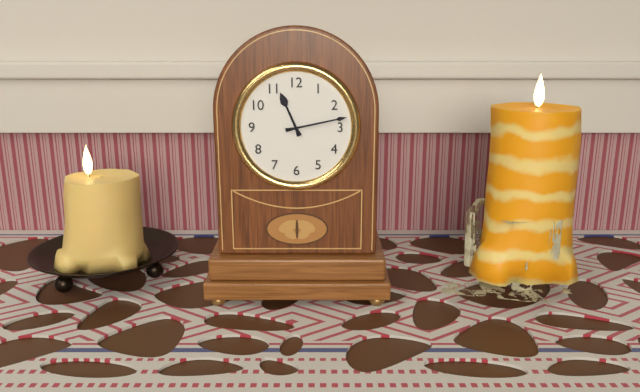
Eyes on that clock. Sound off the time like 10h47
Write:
11h13
